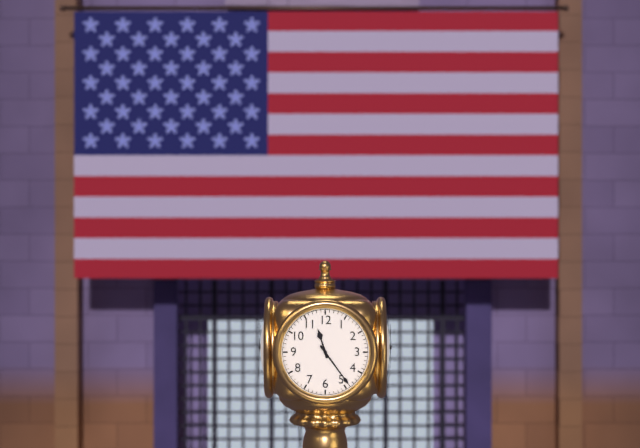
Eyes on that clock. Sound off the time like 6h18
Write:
11h24
